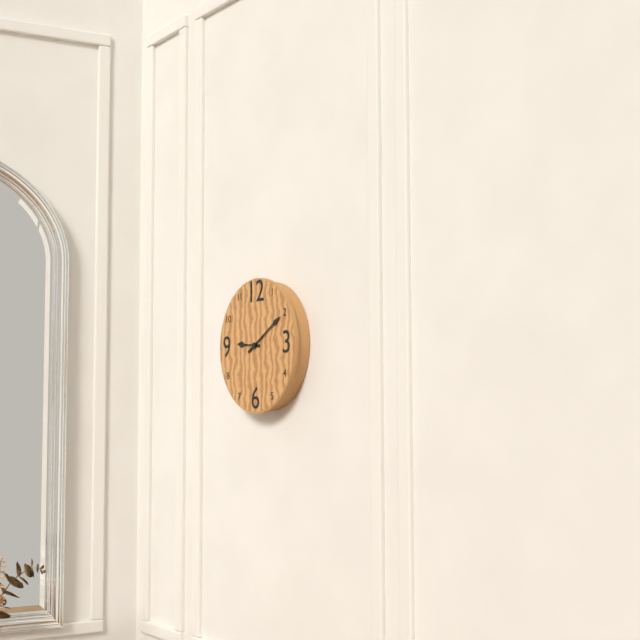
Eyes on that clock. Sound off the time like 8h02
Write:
9h10
